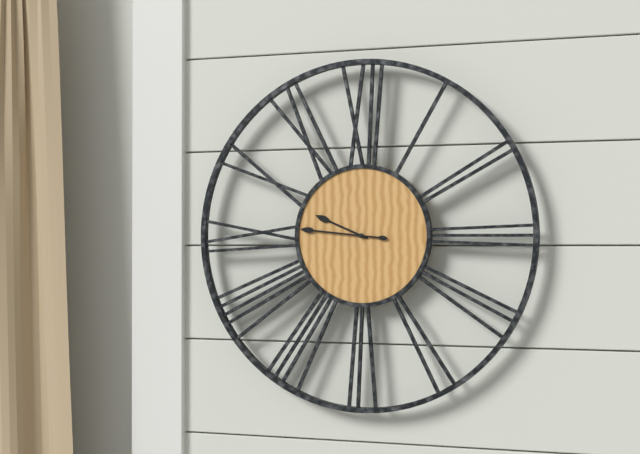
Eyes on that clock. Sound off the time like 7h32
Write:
9h46
